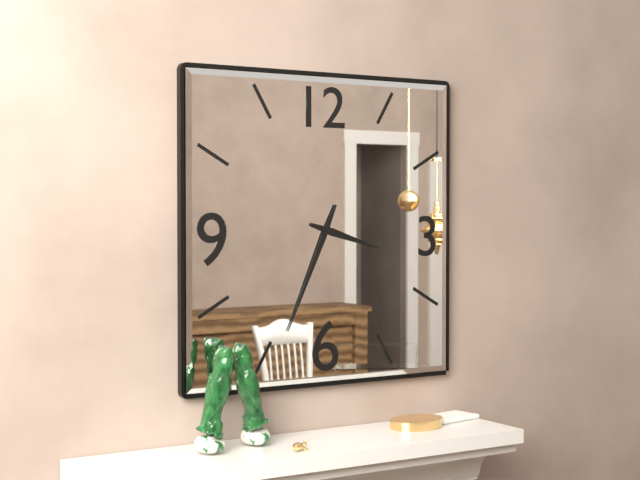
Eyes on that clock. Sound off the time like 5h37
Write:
3h34
